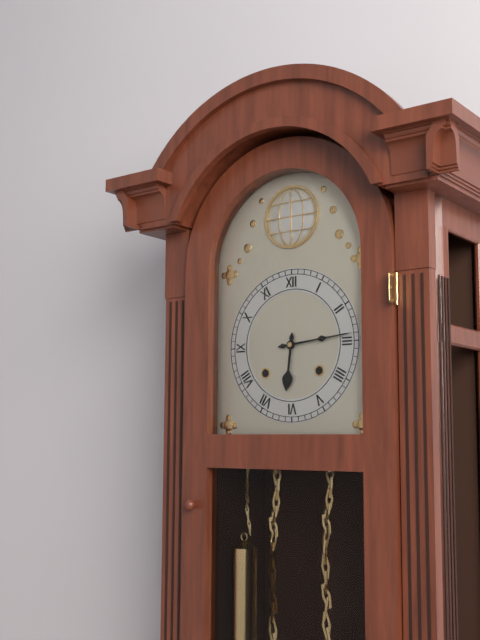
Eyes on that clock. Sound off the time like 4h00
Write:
6h14
